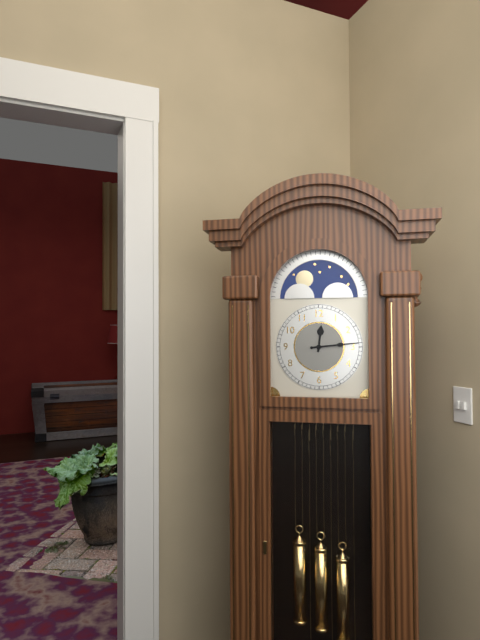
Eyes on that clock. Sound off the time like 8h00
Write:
12h14
